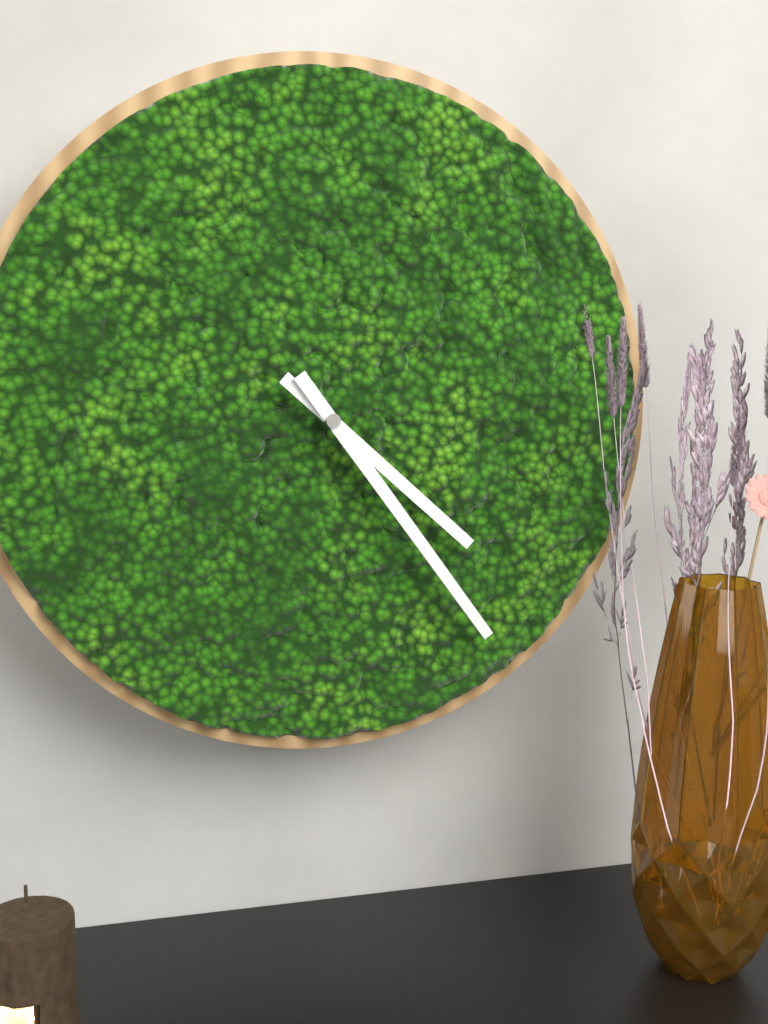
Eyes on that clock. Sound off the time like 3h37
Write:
4h24
